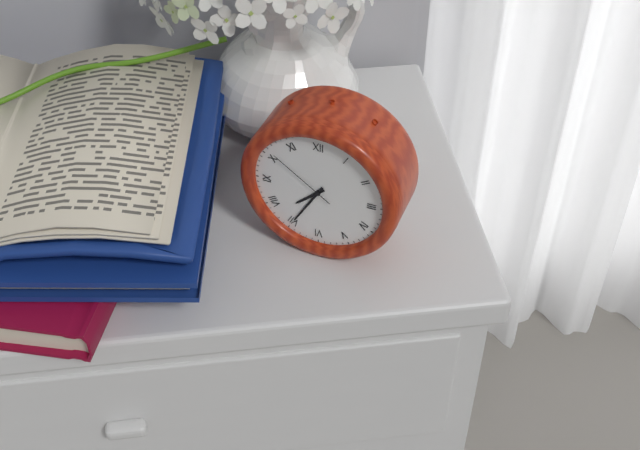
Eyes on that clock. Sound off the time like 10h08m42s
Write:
7h35m51s
